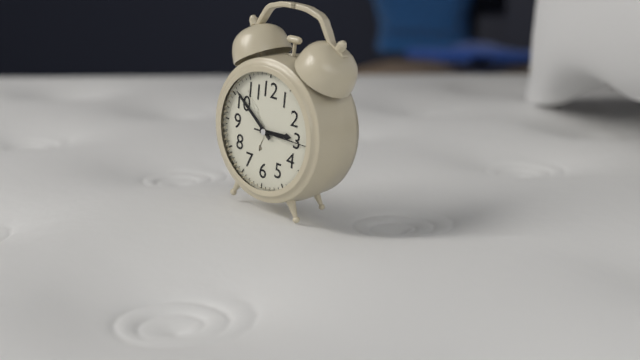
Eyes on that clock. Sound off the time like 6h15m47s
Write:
2h51m15s
